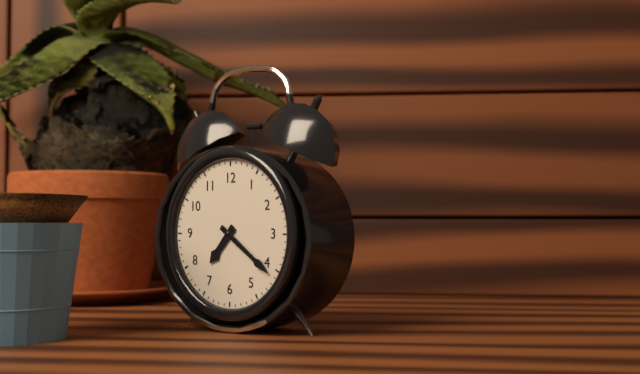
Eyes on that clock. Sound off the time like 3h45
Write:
7h21
